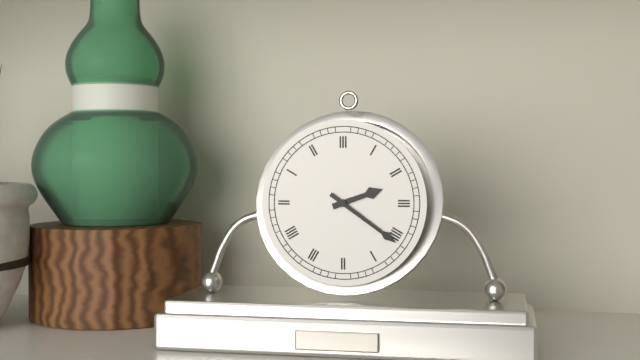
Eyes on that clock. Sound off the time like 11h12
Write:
2h21
